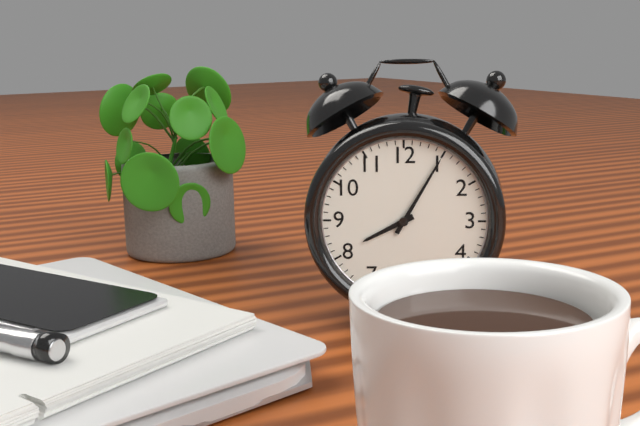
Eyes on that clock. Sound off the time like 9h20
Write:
8h05
